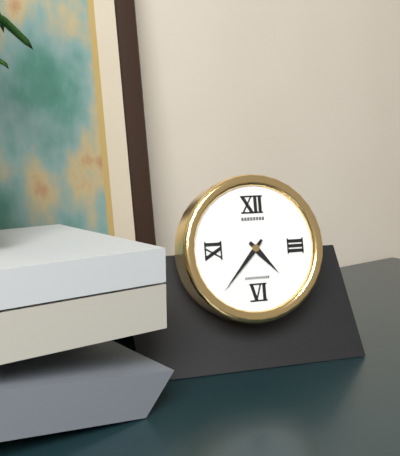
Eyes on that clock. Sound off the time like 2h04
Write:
4h37
